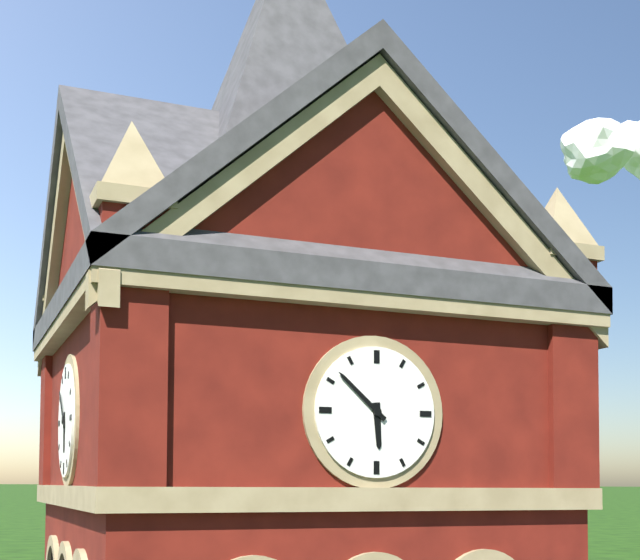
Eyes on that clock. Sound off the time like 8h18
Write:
5h52
